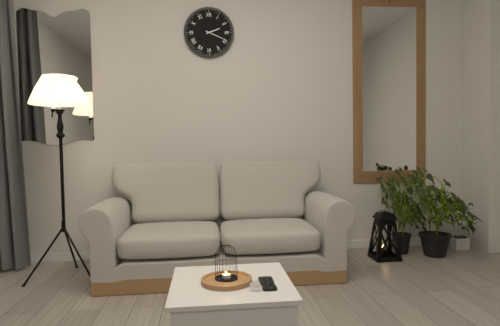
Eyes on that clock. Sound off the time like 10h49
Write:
2h19
